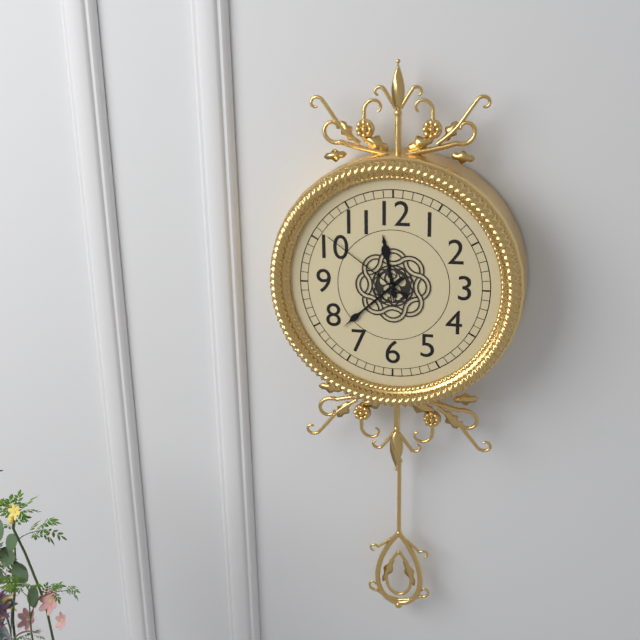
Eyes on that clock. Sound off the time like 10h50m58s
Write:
11h38m51s
